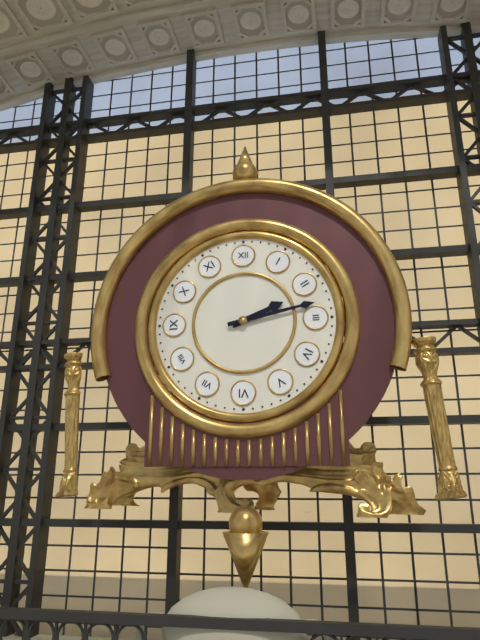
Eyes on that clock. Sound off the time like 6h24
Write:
2h13
